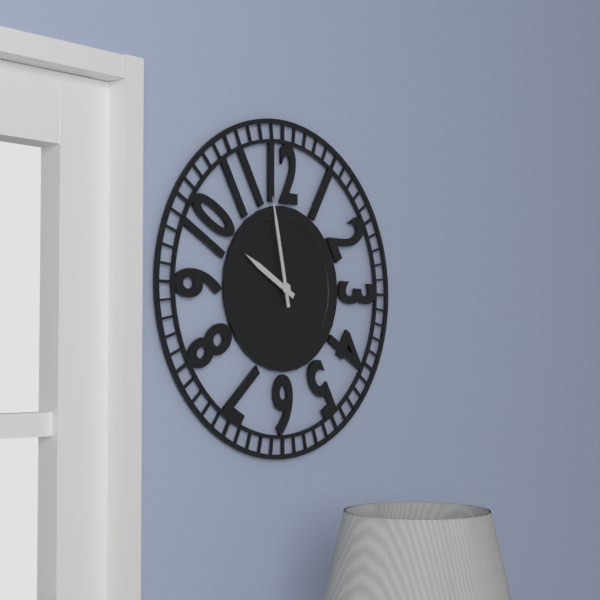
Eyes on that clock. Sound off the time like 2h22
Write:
9h58
